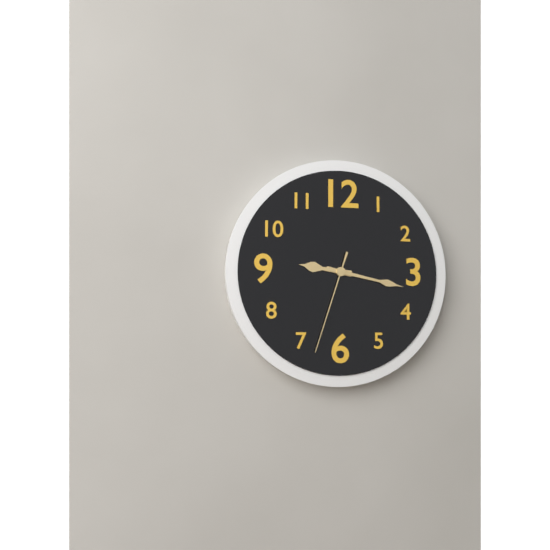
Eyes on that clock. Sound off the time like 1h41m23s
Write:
9h17m33s
